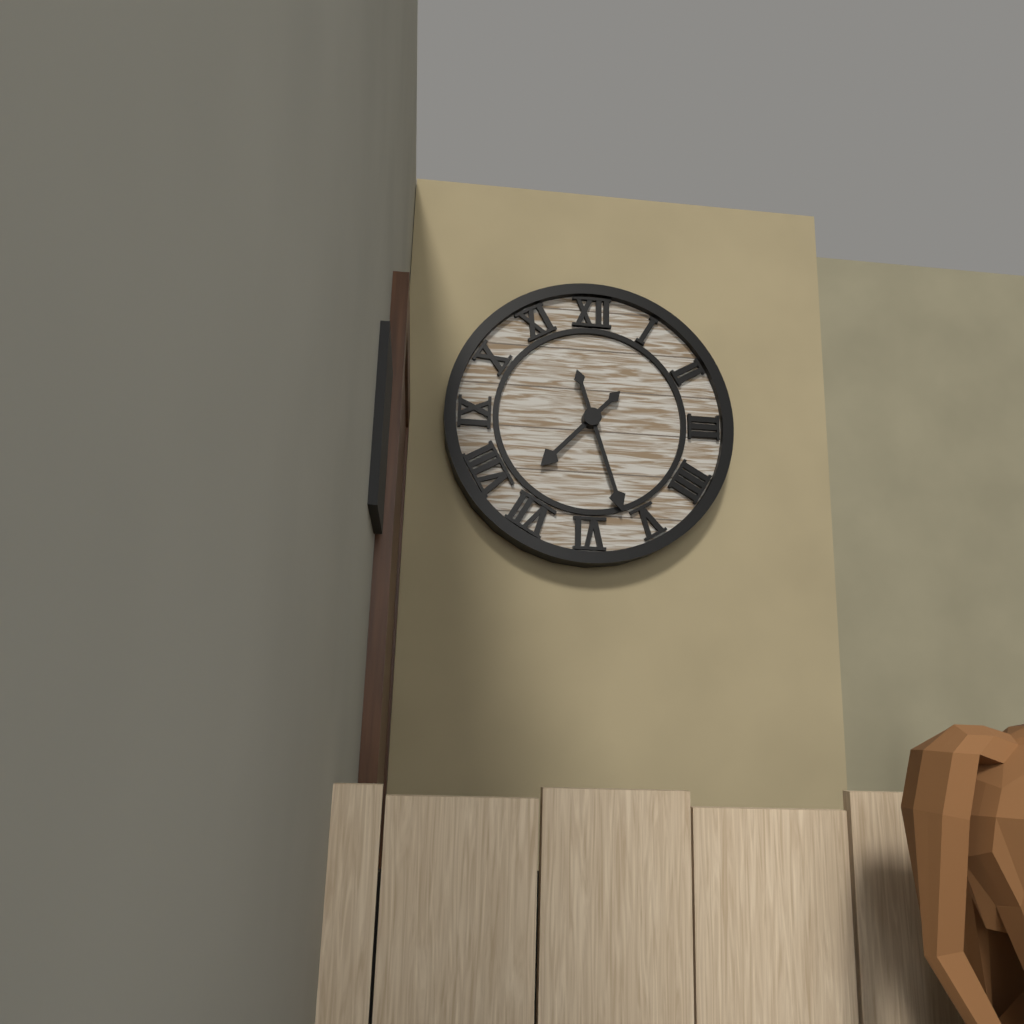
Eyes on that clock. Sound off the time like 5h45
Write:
7h27
